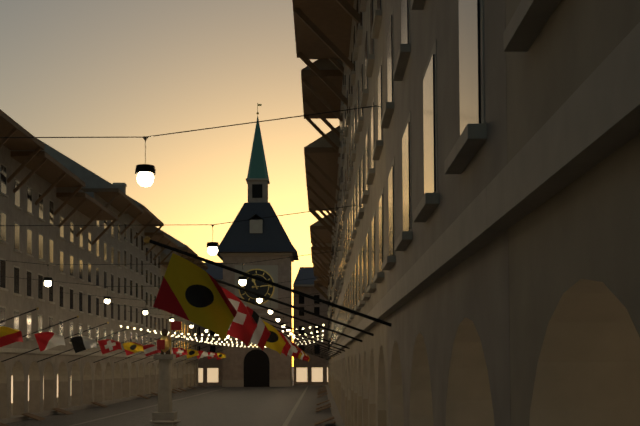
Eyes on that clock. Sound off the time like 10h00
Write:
11h14
